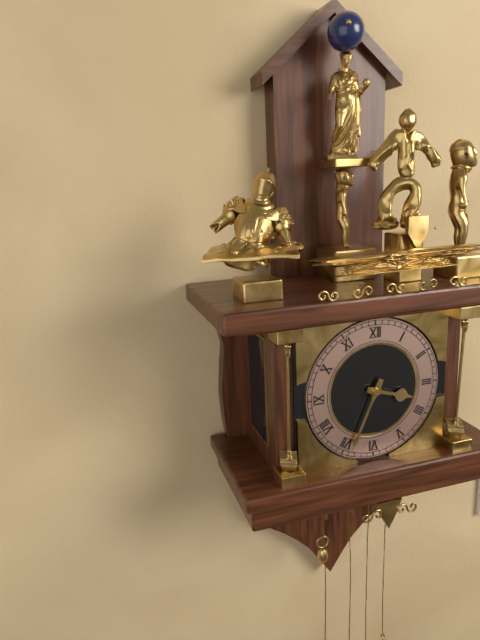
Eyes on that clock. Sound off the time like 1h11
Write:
3h34
